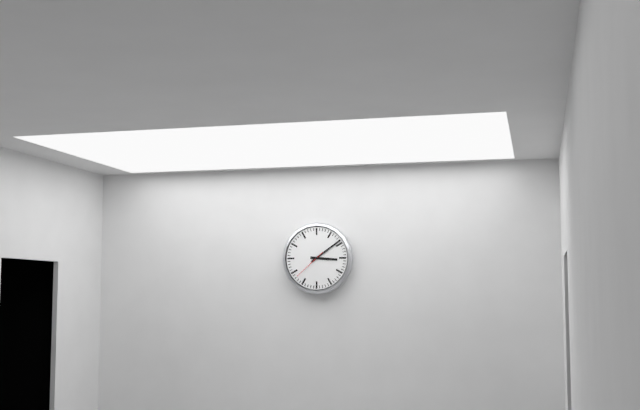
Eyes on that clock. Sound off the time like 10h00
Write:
3h09
